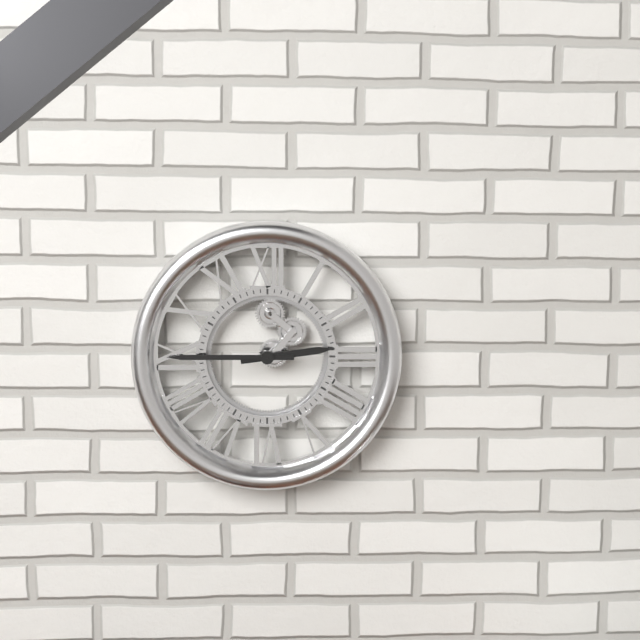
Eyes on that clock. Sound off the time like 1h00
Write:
2h45
